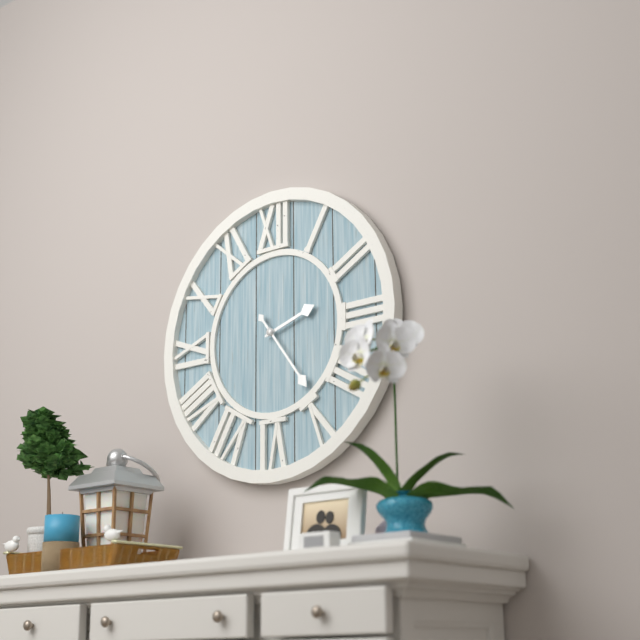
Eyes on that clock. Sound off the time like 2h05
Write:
2h24
